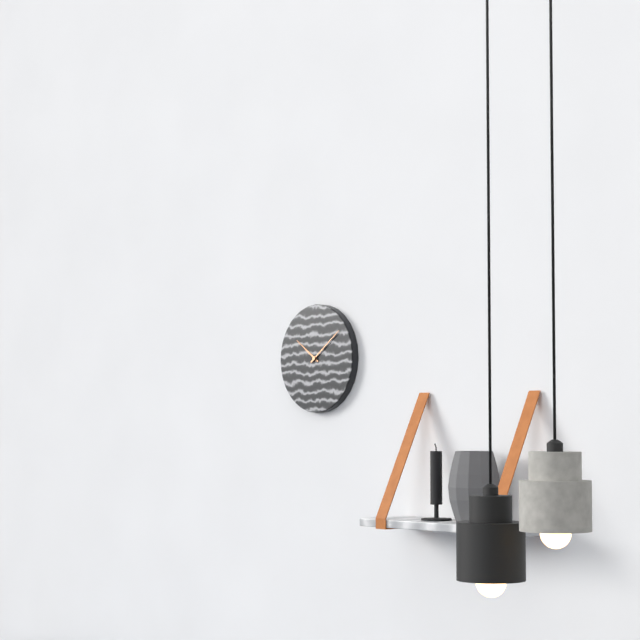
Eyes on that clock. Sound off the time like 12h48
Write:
10h09
